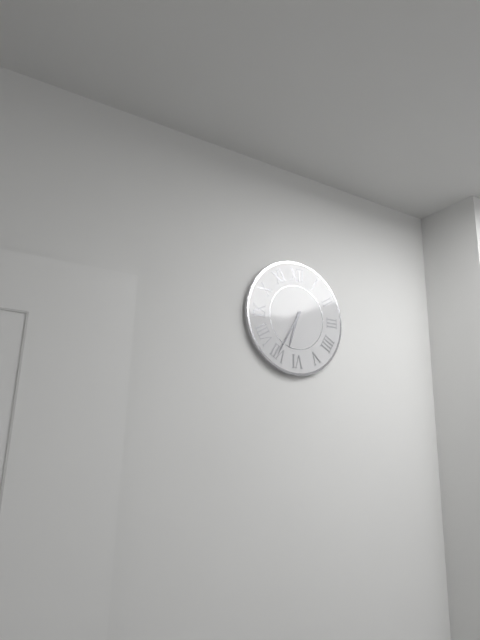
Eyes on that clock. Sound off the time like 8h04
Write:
6h35
